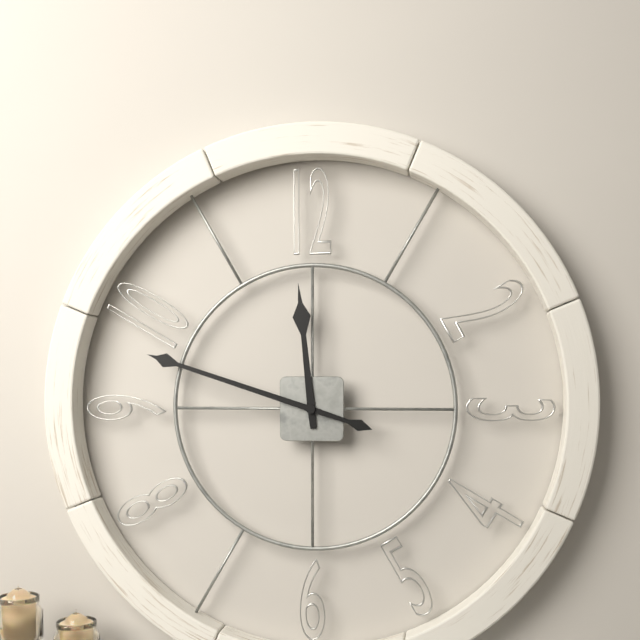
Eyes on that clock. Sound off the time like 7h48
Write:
11h48
